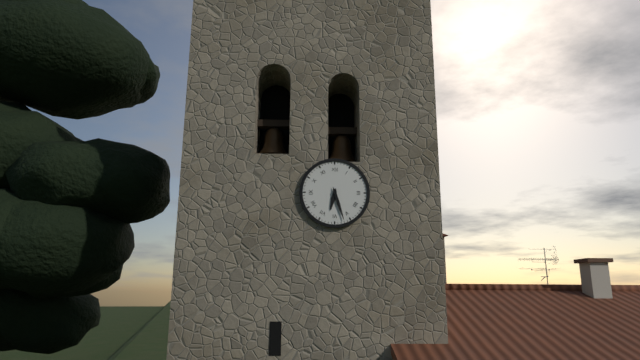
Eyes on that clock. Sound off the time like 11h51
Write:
6h27
